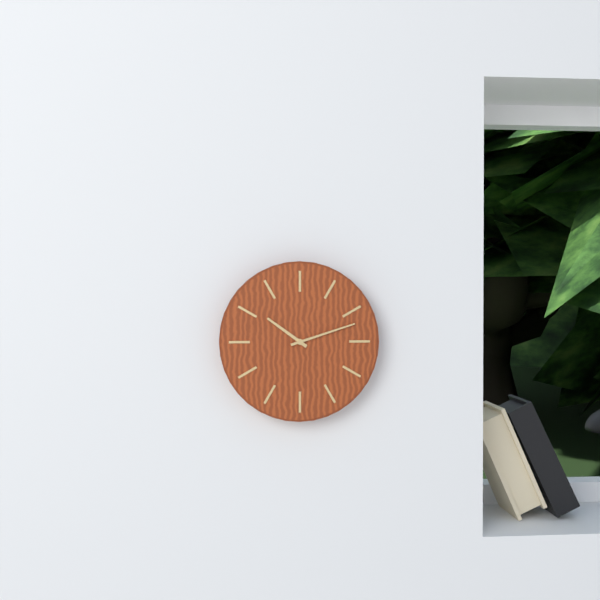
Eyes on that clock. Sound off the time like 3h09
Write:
10h12
